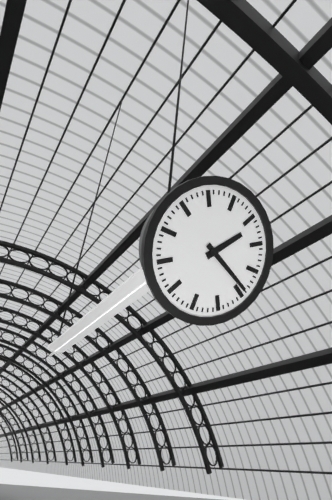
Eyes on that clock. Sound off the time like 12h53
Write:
1h19
